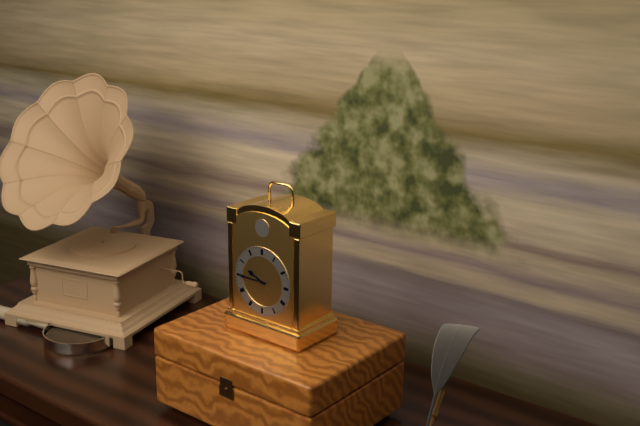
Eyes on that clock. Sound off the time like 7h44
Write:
9h45
